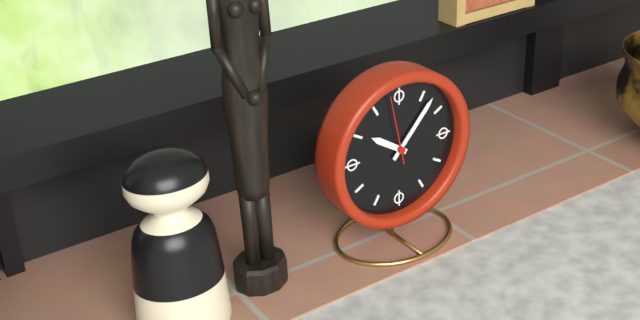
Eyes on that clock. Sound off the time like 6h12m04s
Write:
10h07m58s
